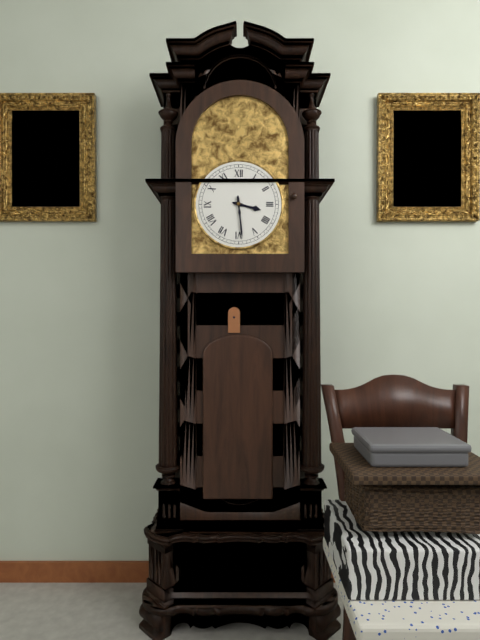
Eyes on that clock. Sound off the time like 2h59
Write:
3h29
